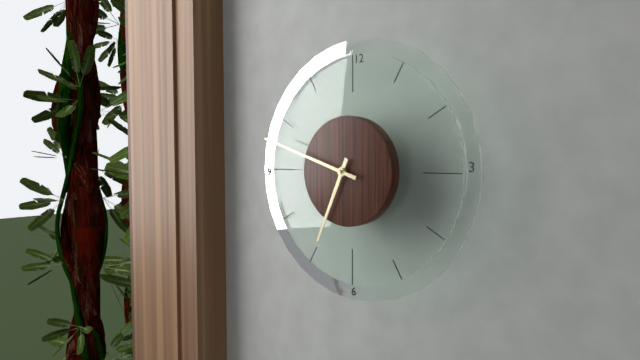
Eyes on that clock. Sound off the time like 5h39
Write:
6h48
